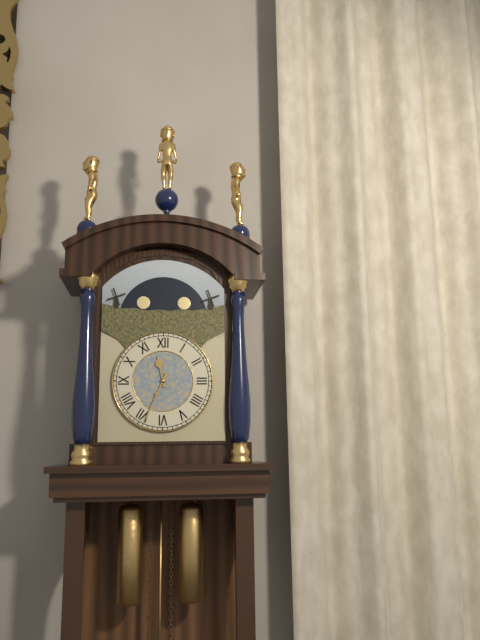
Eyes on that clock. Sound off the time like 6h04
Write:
11h34
